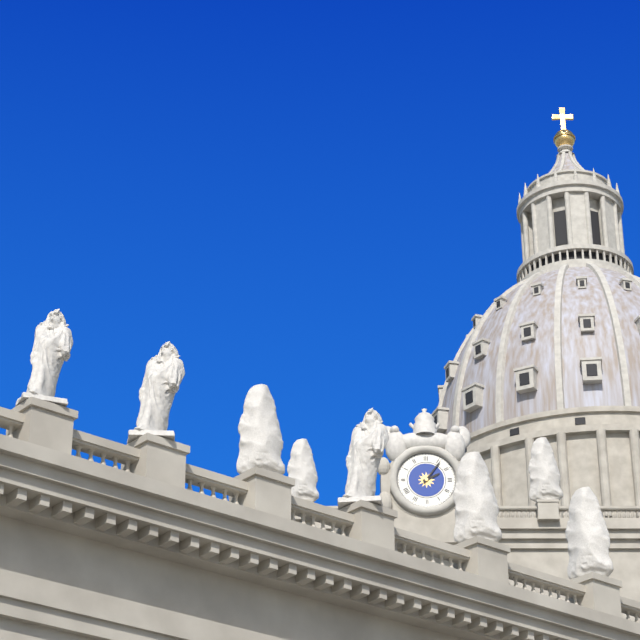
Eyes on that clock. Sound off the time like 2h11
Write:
2h06
